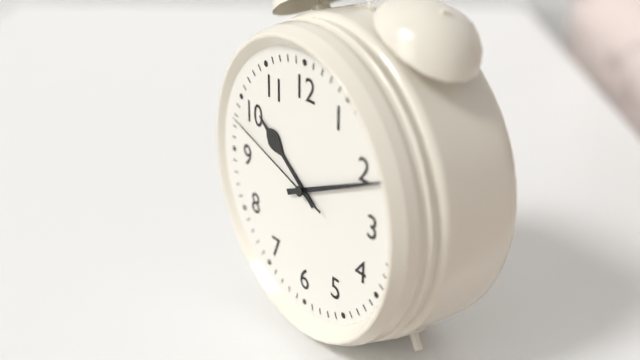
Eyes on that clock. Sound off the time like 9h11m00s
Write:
10h11m48s
